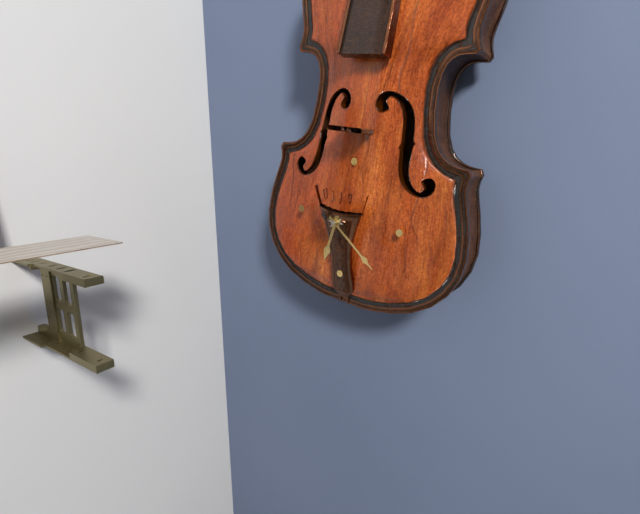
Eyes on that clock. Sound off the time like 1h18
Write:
6h21
